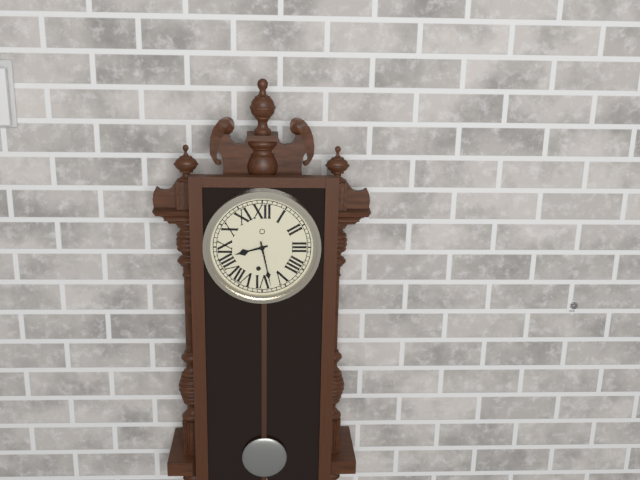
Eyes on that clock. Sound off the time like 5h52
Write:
8h28
